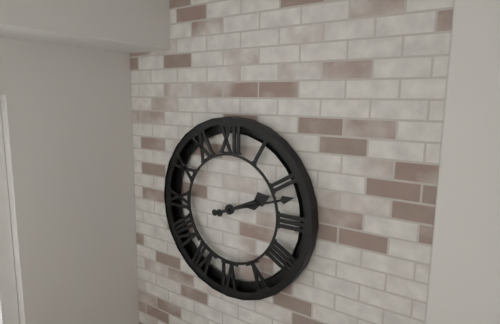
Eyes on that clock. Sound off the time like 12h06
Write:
2h12
